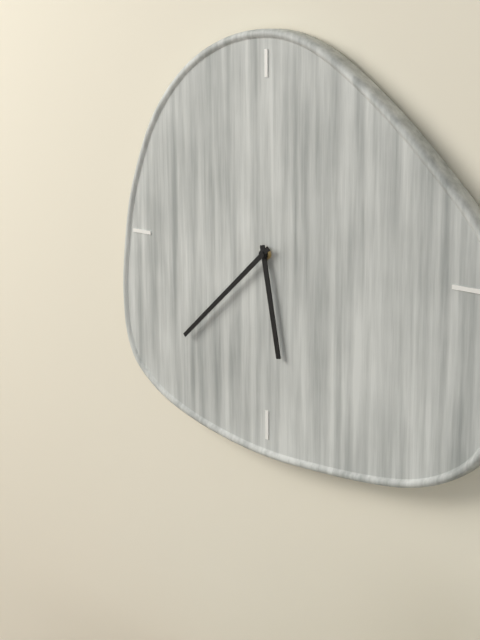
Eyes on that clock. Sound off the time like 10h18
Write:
5h38
